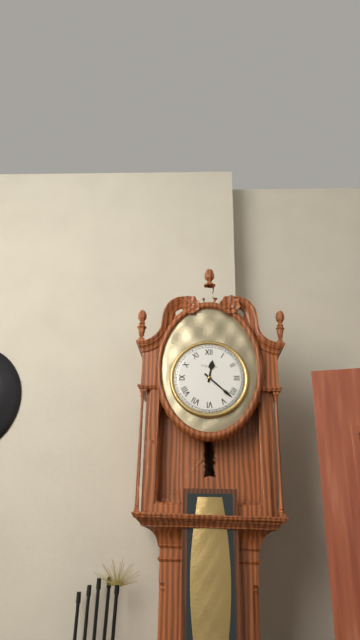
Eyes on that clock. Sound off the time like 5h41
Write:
12h22
